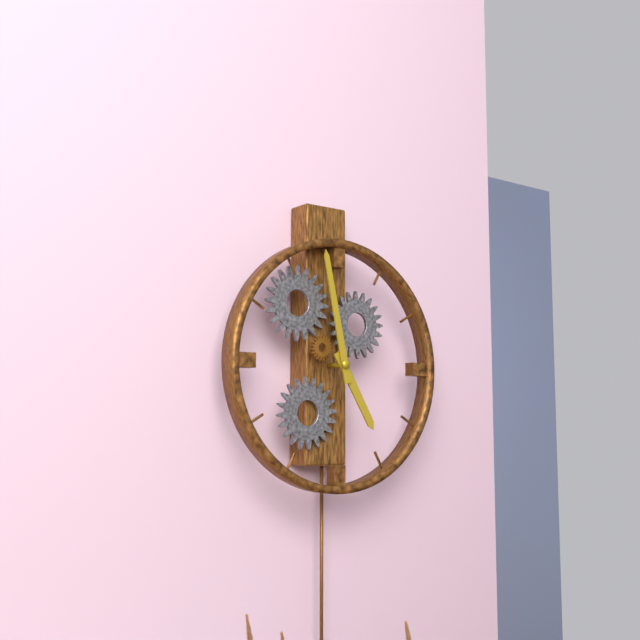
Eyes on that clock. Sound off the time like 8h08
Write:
4h58
